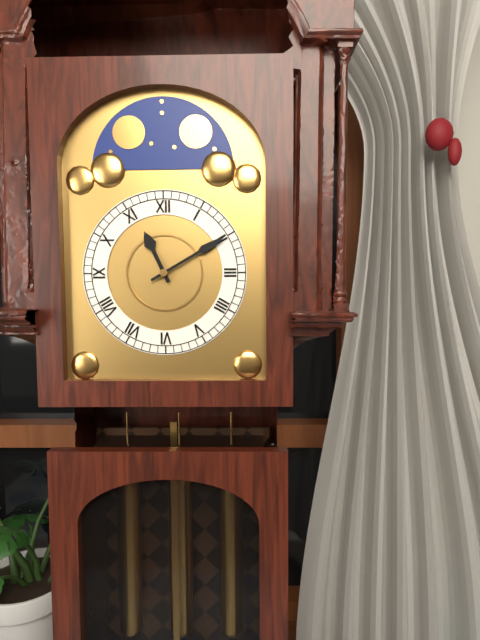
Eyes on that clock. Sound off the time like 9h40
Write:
11h10
